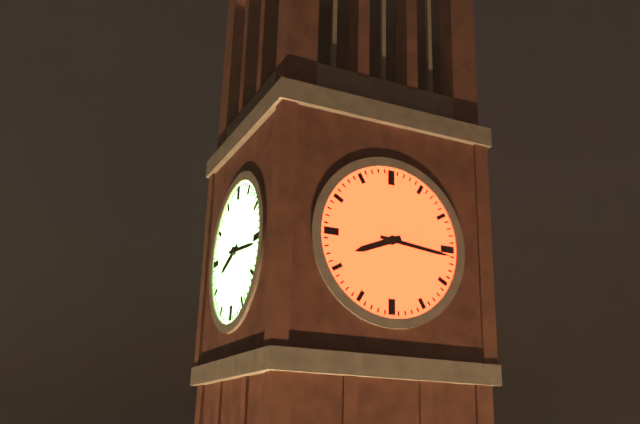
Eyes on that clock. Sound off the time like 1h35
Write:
8h16
